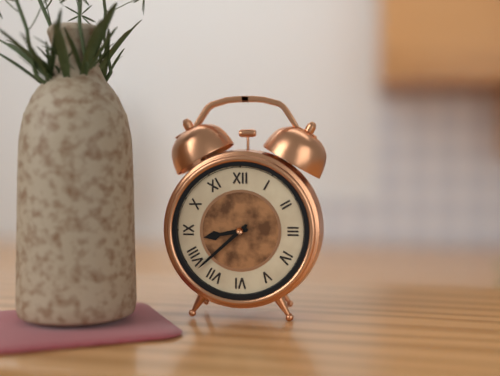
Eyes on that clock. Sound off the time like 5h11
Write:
8h38
